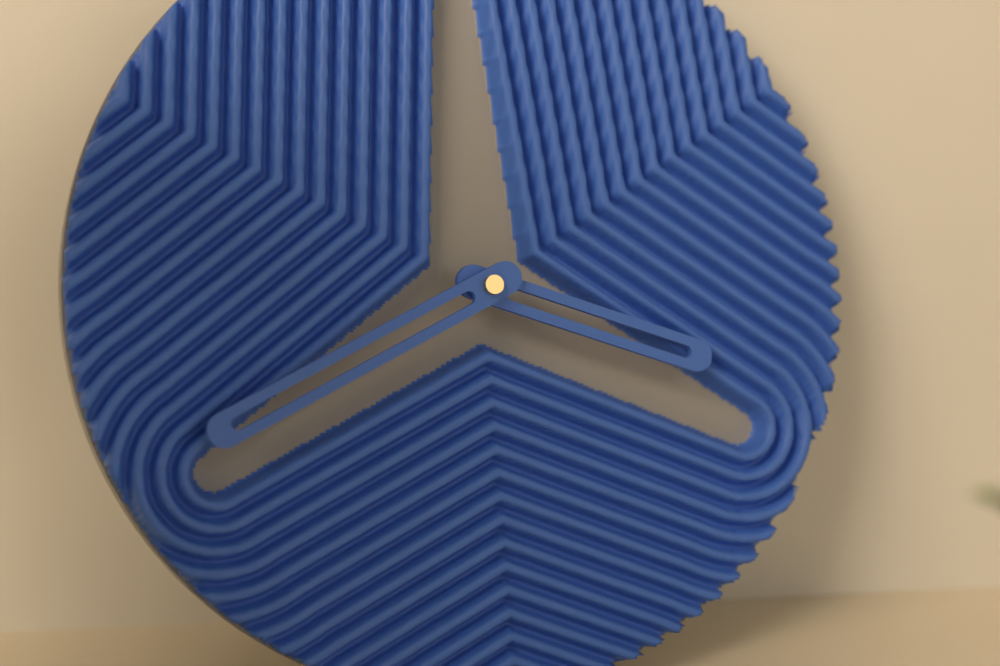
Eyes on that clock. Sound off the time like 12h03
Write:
3h41
